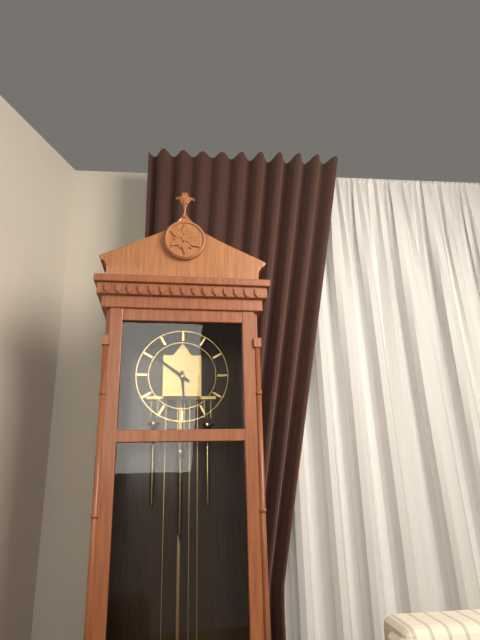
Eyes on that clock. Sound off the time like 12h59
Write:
5h51
